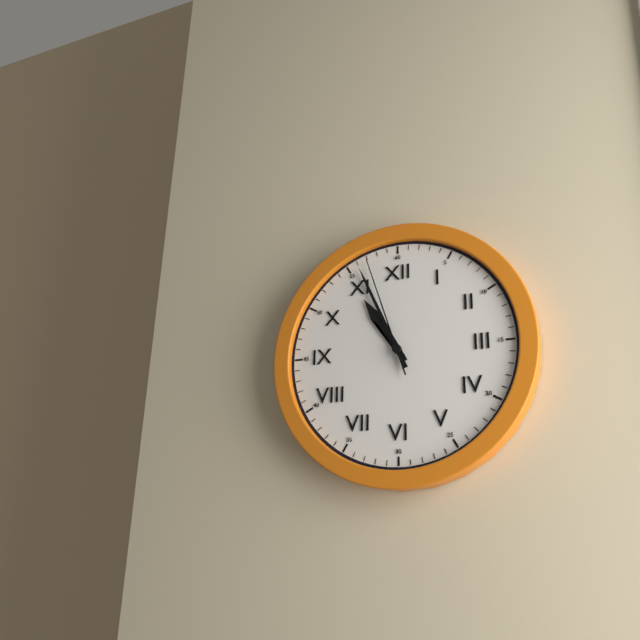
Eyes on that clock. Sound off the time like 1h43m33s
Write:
10h56m57s
